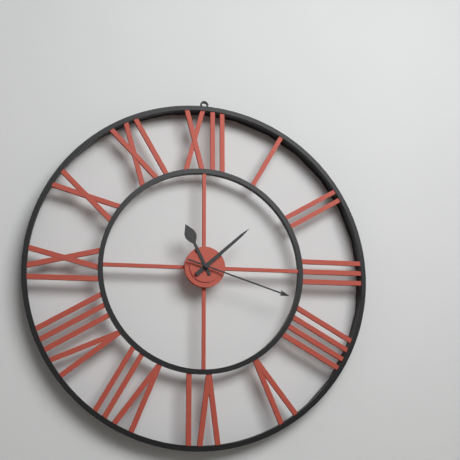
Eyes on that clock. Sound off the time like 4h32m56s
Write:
11h08m18s
